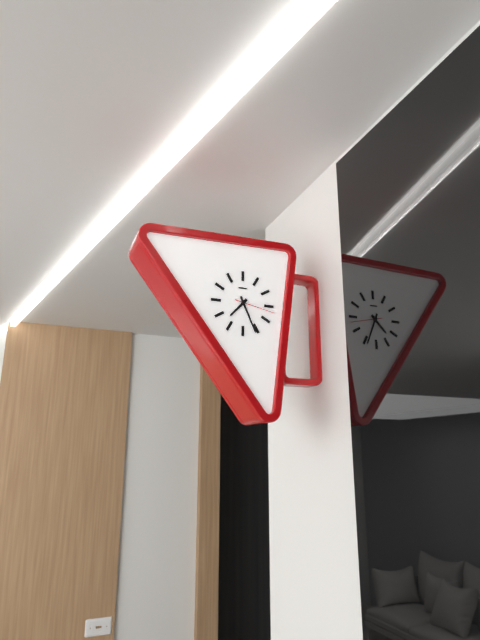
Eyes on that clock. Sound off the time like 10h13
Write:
7h26
